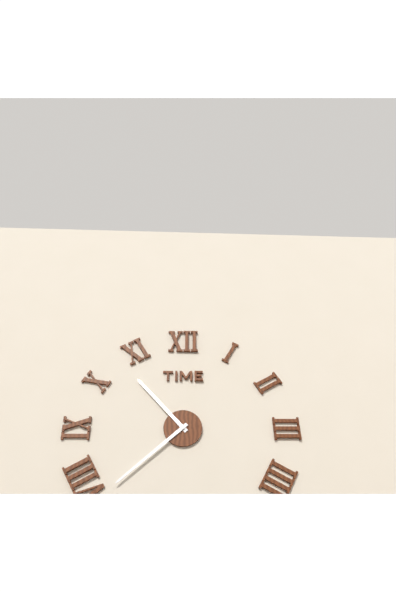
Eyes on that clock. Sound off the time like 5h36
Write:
10h38
